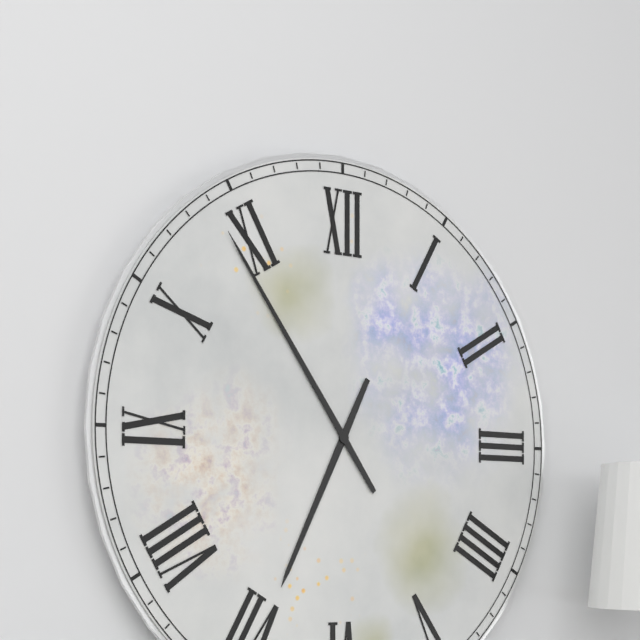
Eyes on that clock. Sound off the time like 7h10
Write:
6h54
